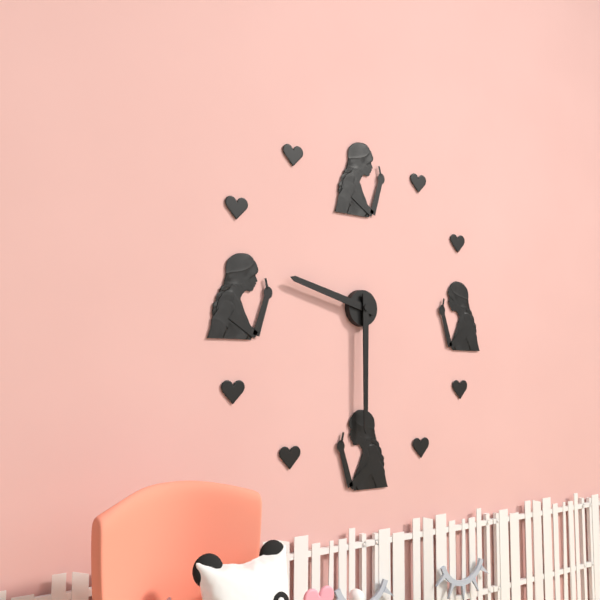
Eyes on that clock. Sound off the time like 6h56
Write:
9h30
